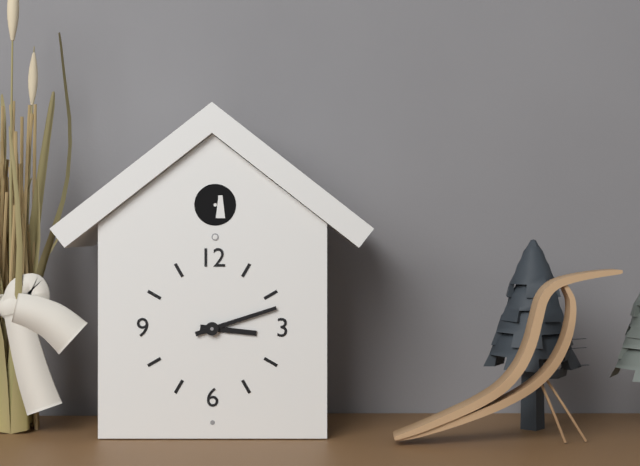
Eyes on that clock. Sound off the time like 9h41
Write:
3h12
